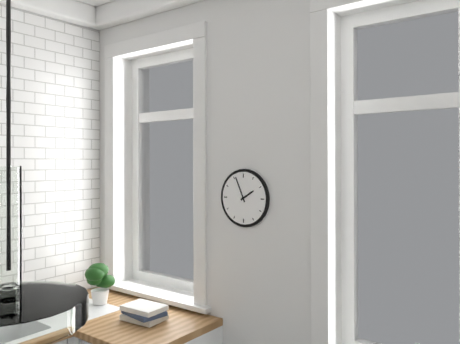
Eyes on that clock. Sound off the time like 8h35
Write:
1h56
